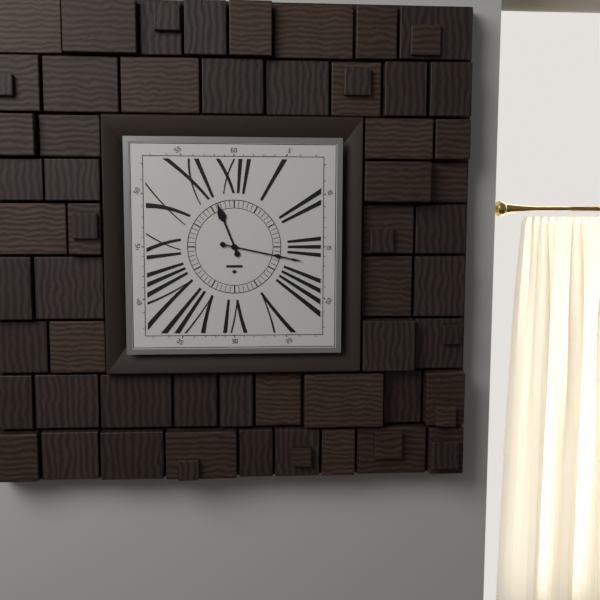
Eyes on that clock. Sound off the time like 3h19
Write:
11h17
